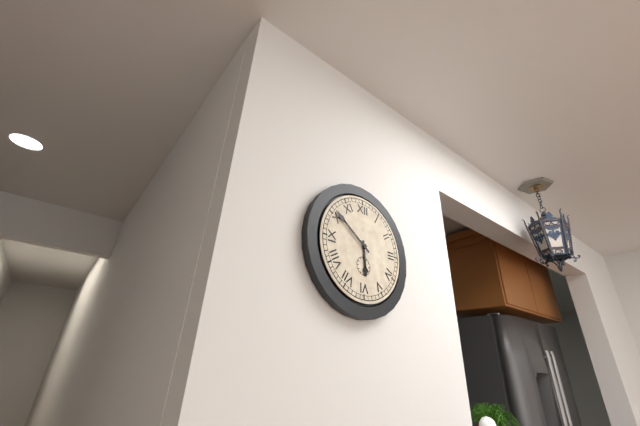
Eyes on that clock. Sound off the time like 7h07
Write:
5h51
